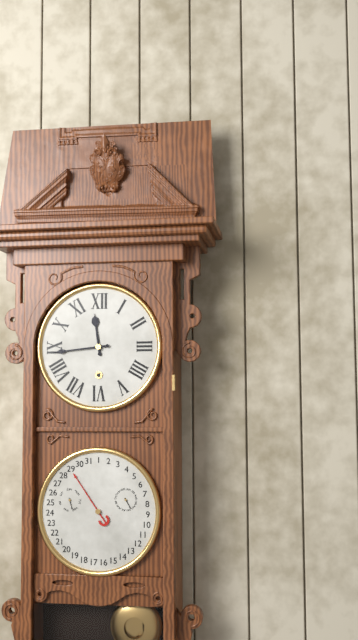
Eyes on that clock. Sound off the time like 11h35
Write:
11h44
